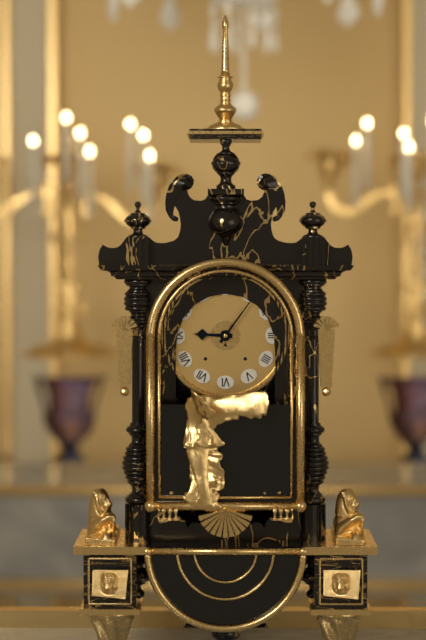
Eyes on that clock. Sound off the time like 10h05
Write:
9h06
